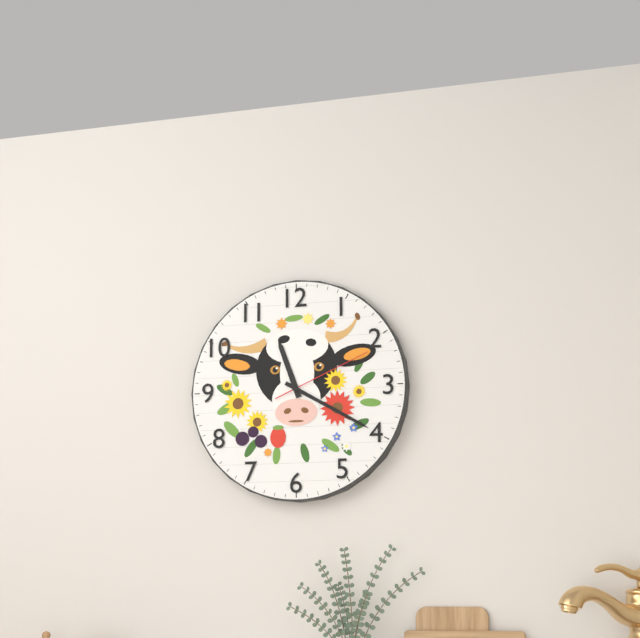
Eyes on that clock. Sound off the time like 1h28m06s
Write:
11h20m11s
